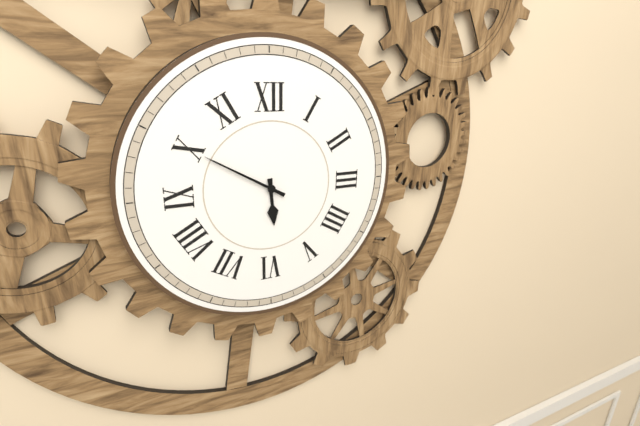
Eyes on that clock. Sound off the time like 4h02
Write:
5h50
